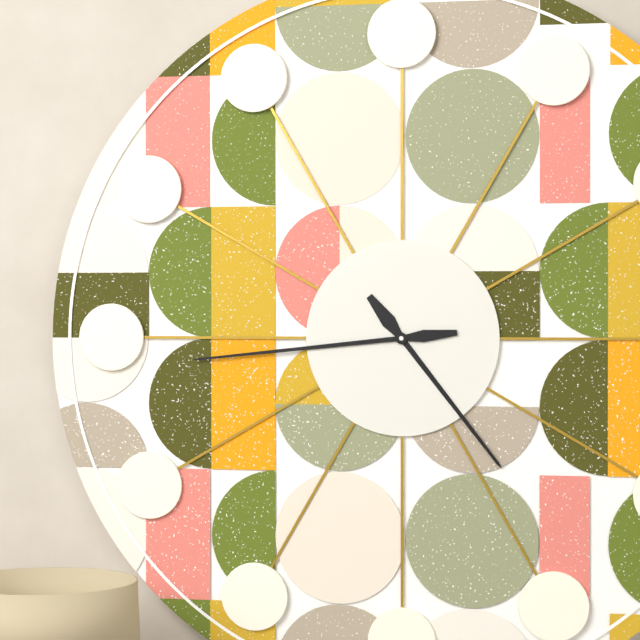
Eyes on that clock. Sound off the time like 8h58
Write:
4h44
